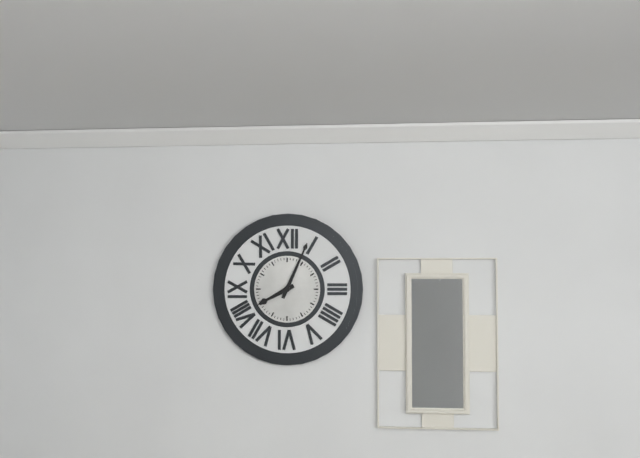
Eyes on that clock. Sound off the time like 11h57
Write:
8h04
